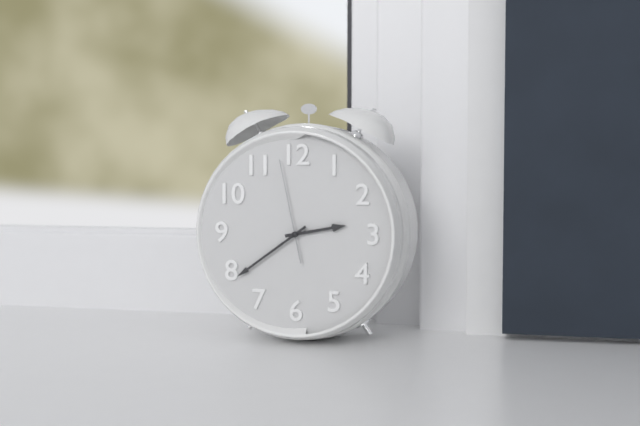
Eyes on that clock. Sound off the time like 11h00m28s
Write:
2h39m58s
